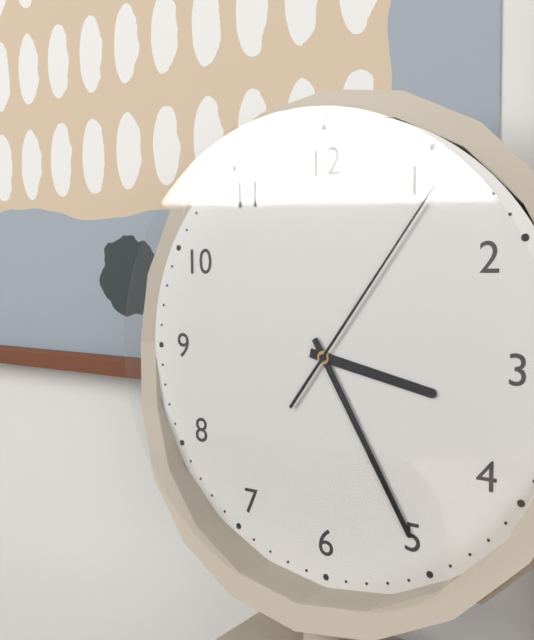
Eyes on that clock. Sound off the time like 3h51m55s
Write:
3h25m06s
